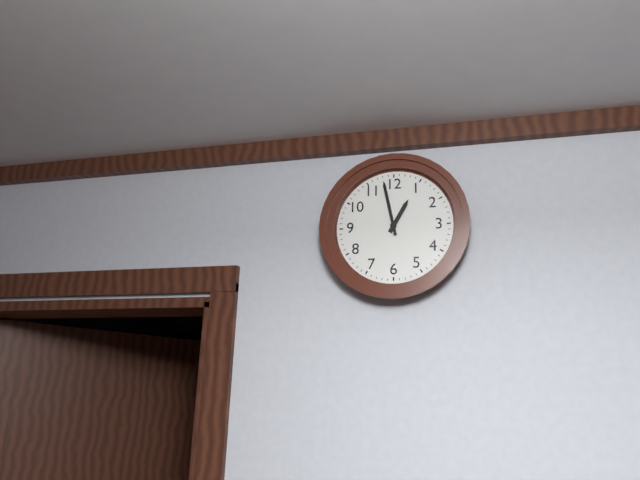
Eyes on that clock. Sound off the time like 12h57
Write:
12h58
